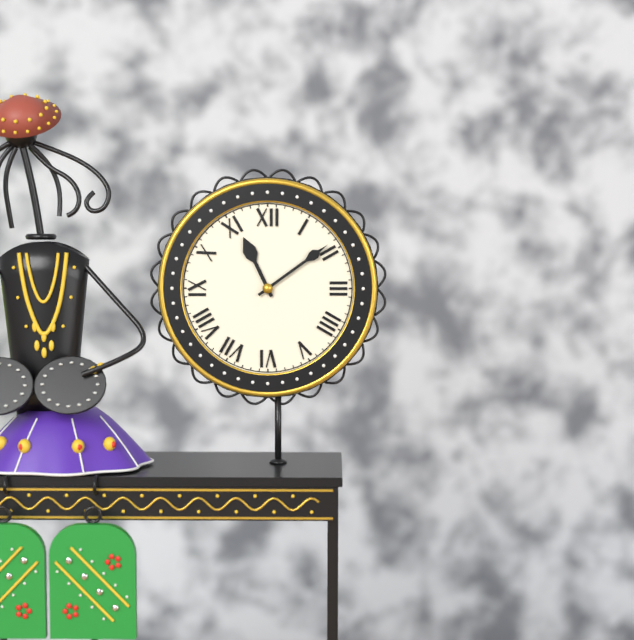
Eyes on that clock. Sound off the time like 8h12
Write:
11h09
